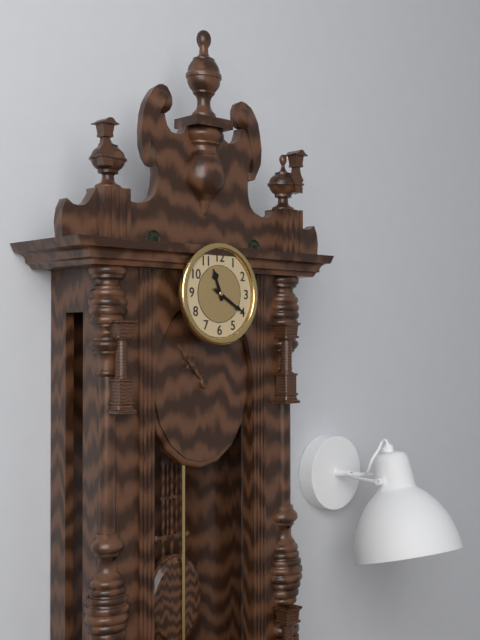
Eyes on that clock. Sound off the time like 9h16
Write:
11h20
